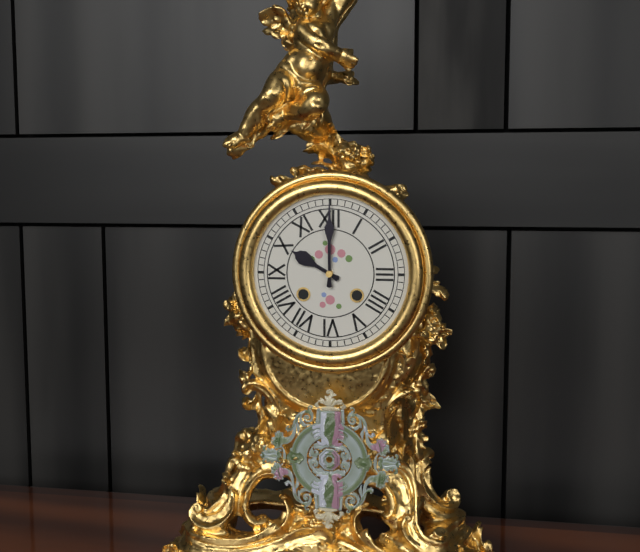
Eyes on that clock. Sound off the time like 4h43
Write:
10h00
